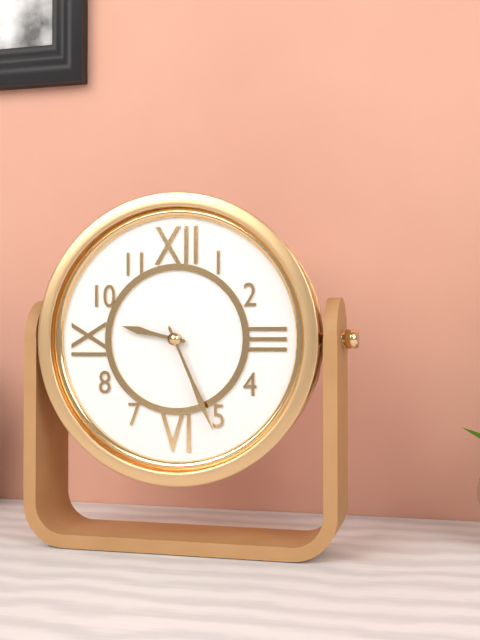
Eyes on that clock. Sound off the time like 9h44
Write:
9h26
